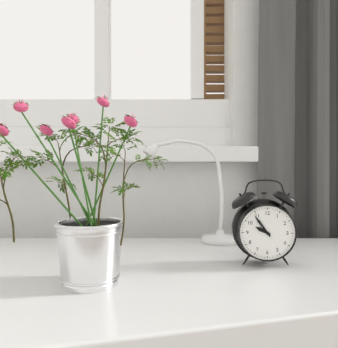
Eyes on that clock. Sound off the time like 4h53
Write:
9h54
